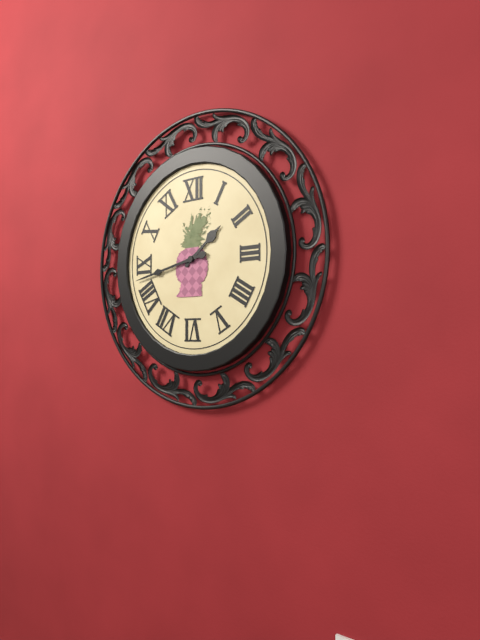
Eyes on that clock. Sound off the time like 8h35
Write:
1h43
